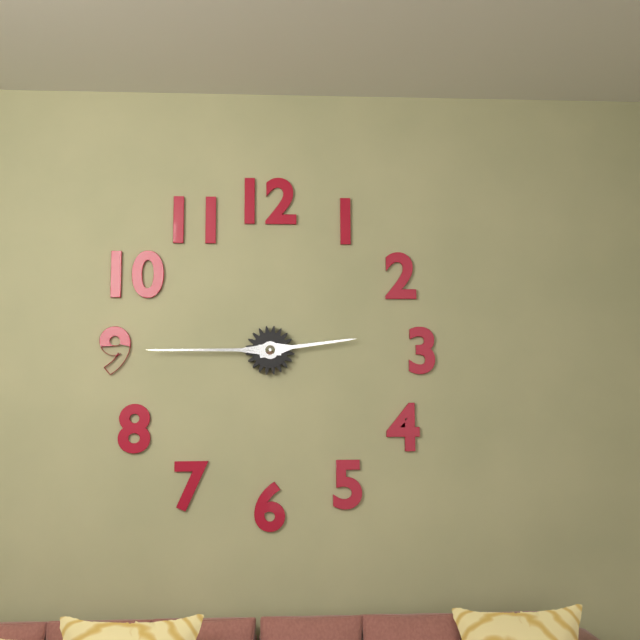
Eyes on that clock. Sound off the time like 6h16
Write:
2h45
